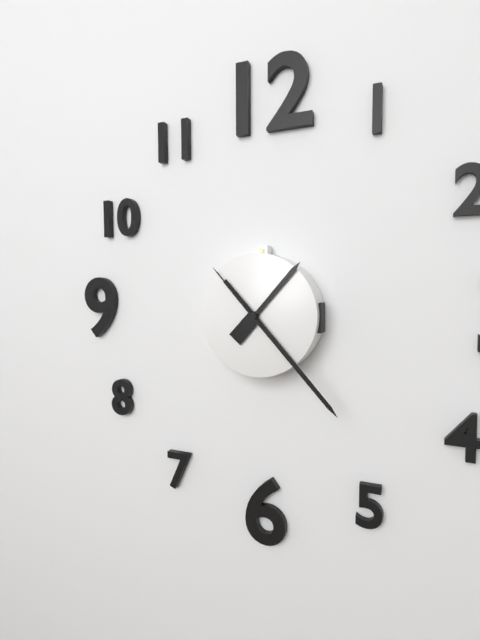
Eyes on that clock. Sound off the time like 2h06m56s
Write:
1h23m53s
